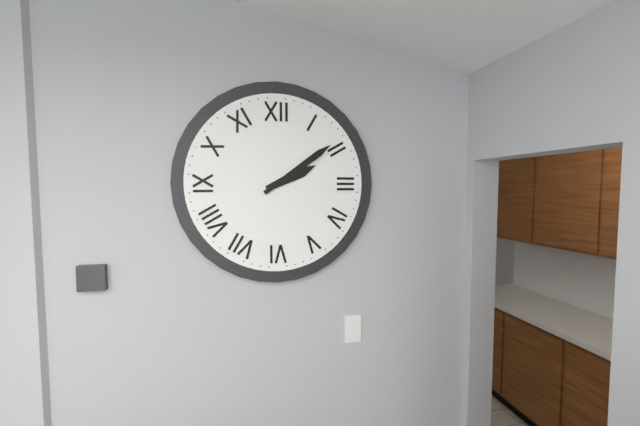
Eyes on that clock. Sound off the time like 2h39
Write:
2h09
